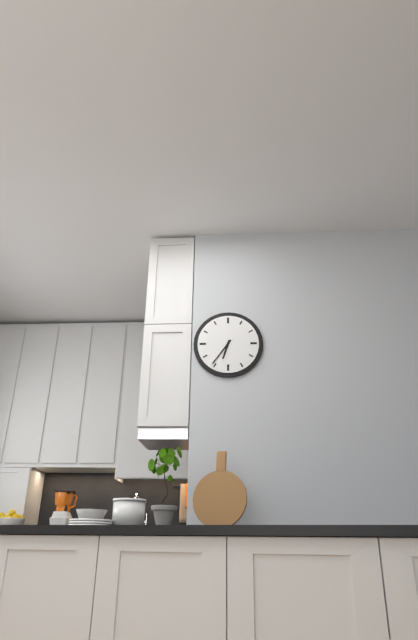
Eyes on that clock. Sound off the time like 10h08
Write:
6h36
